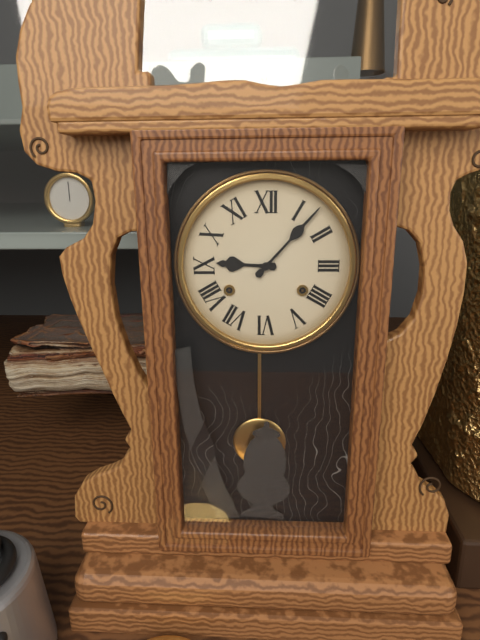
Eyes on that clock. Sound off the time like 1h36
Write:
9h07
